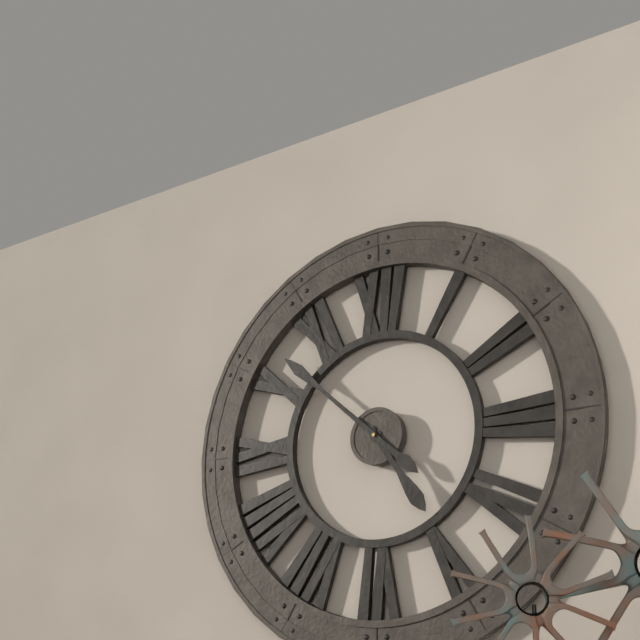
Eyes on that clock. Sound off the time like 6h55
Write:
4h52
